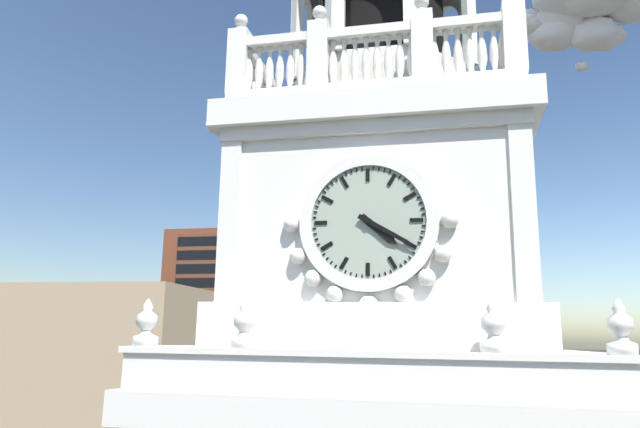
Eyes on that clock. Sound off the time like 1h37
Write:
4h20
